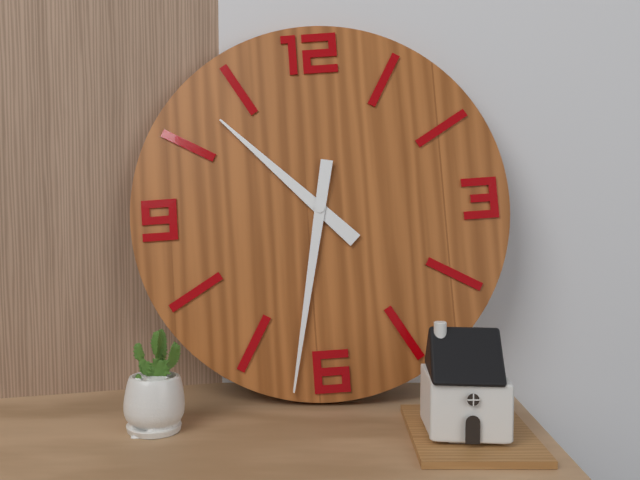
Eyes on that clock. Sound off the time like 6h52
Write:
10h32
